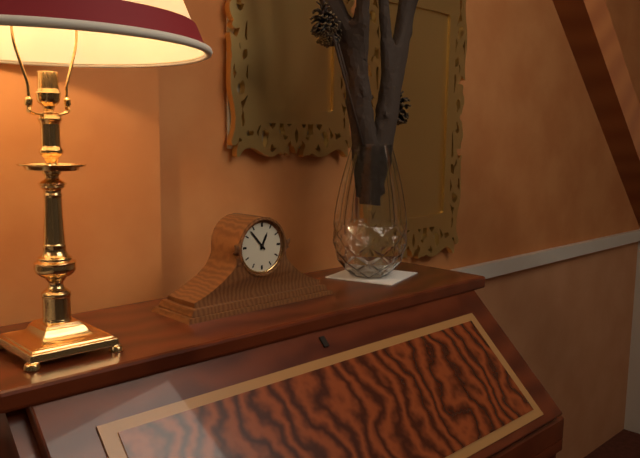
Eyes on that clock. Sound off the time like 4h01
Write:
12h53
